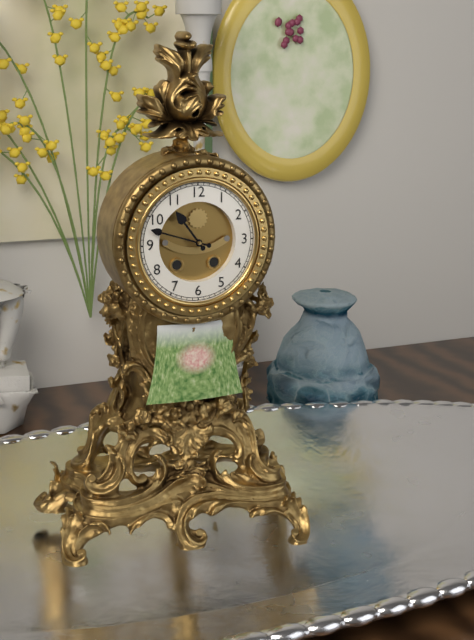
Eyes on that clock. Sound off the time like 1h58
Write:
10h48
